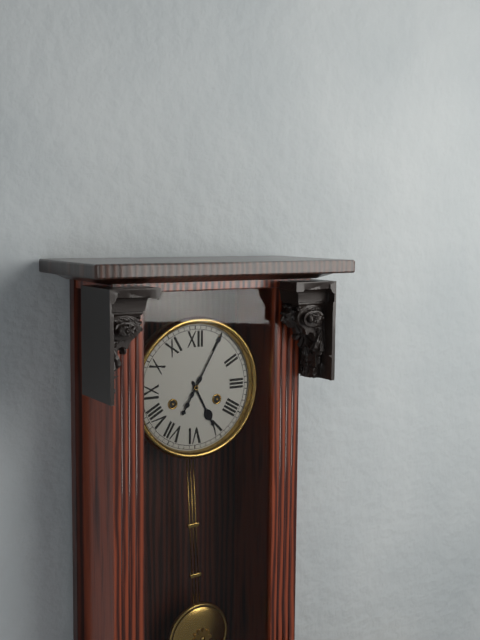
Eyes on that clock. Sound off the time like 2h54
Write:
5h05
